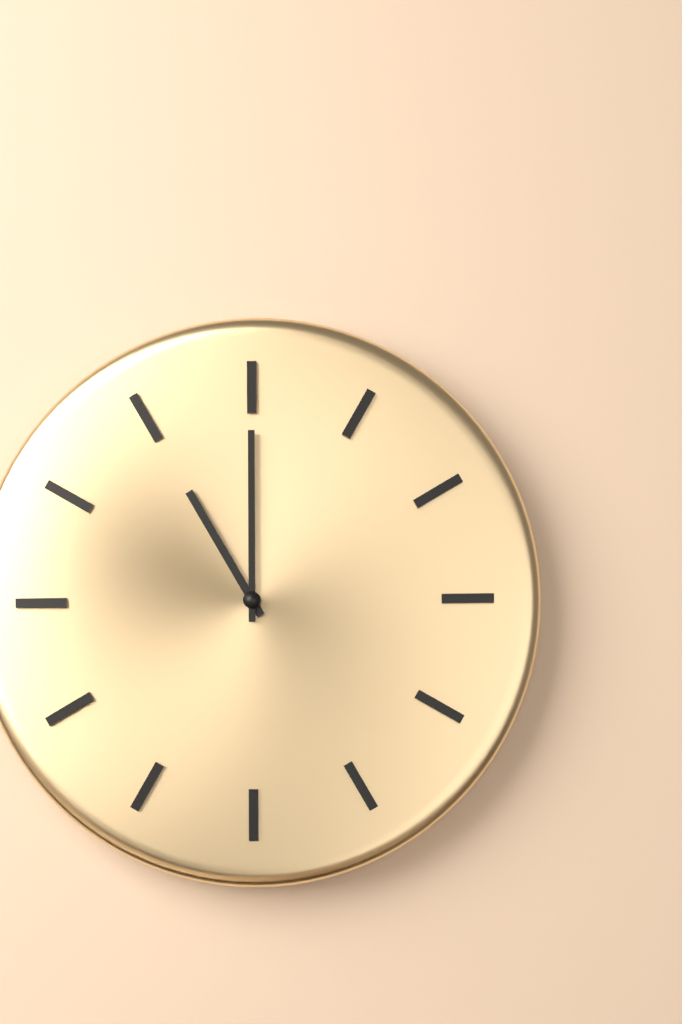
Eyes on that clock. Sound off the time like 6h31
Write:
11h00
